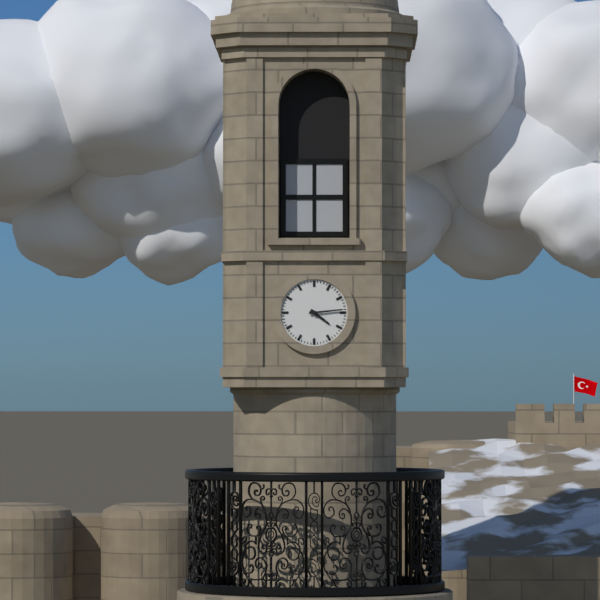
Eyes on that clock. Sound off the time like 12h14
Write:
4h14
